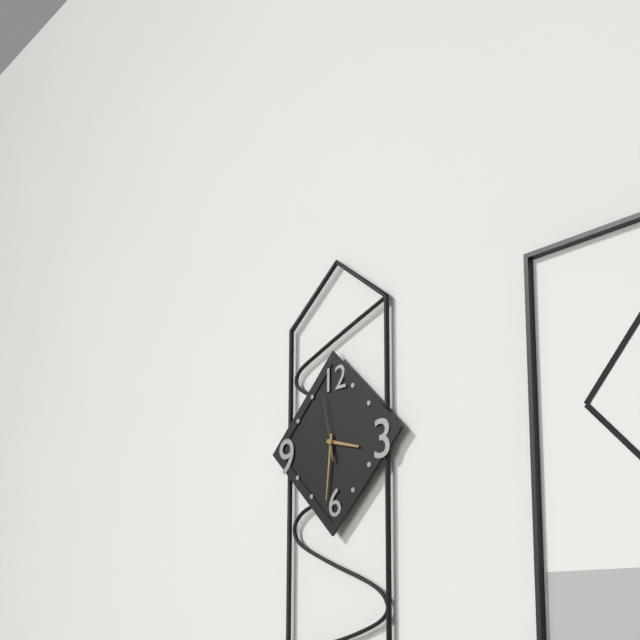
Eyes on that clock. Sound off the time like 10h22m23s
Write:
3h31m58s
